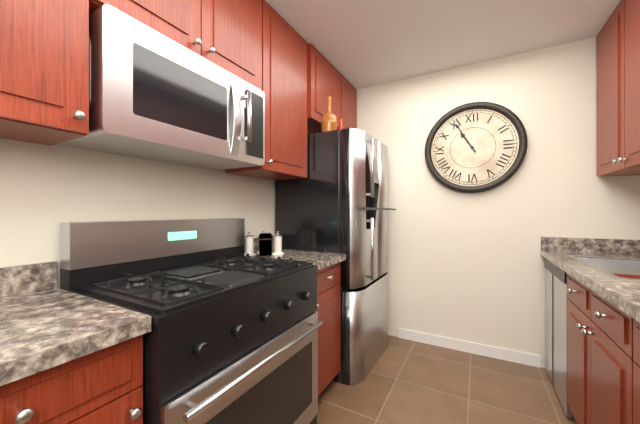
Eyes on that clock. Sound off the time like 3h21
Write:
10h55
